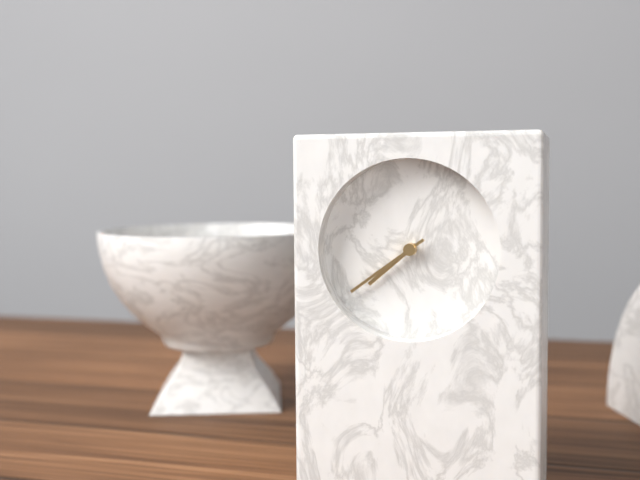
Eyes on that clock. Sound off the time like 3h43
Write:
7h39
